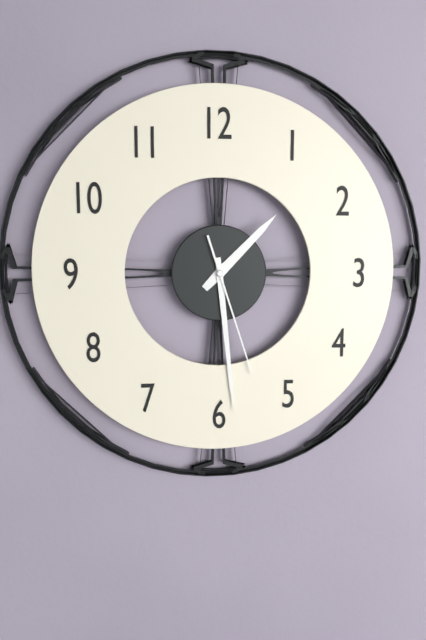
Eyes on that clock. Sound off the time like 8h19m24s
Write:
1h29m27s
